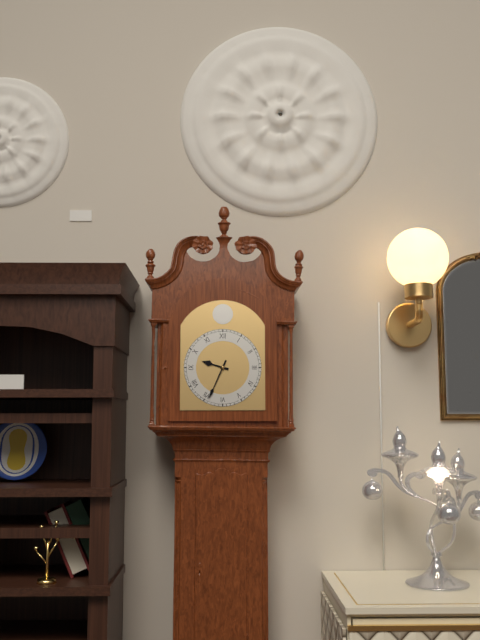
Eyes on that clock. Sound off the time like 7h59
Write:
9h34
